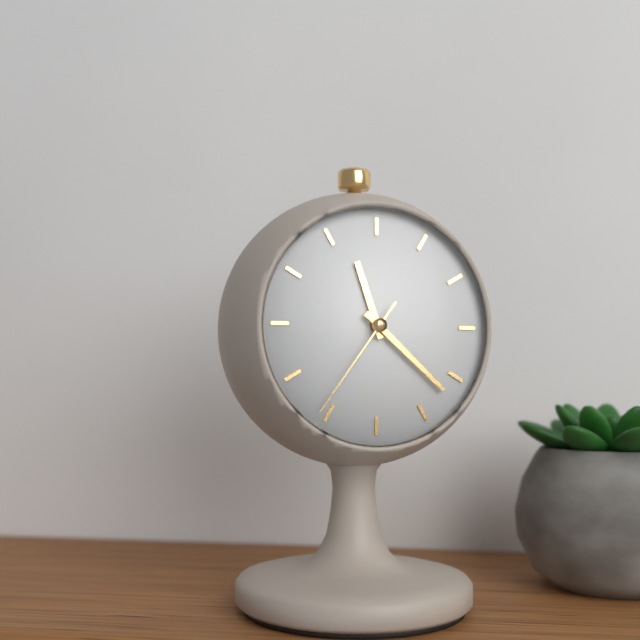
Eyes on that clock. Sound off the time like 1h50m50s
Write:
11h22m36s
